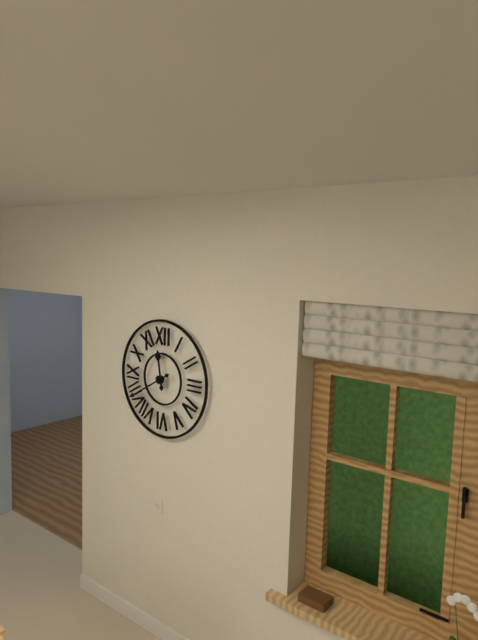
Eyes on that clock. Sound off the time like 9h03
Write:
11h40
